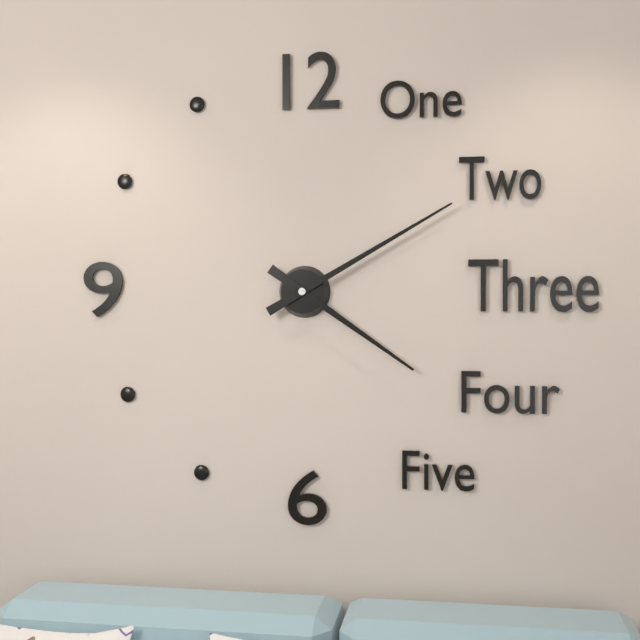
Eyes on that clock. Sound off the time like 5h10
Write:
4h10
